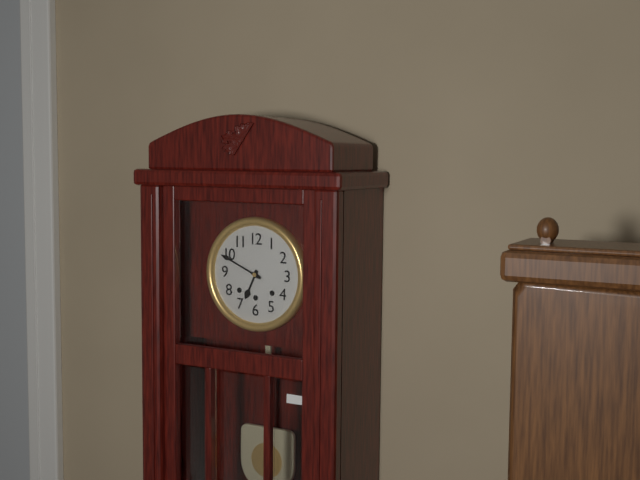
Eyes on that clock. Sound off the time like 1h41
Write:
6h49
